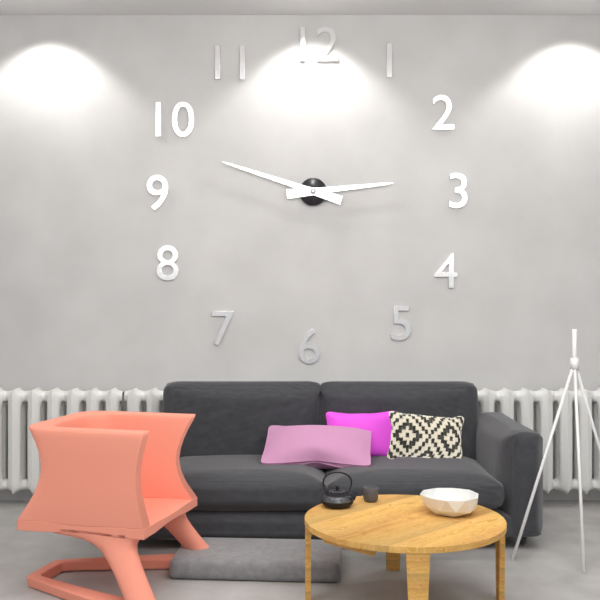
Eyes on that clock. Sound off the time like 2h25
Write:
2h48
